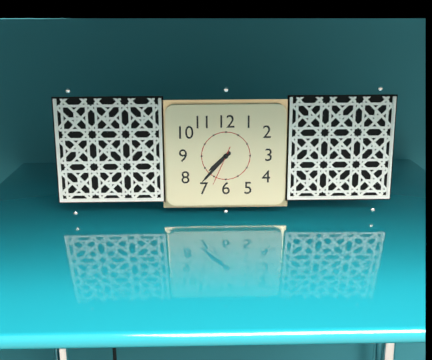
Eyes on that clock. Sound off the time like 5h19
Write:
7h37
